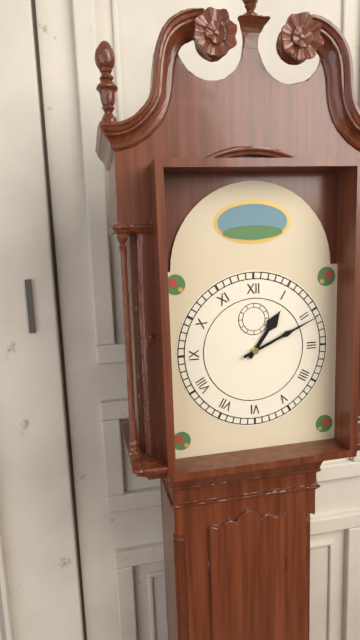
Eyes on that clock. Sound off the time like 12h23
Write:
1h11
